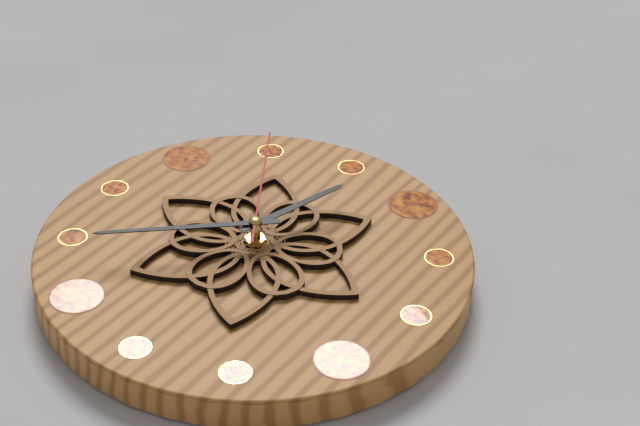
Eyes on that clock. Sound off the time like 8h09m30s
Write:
11h33m50s
